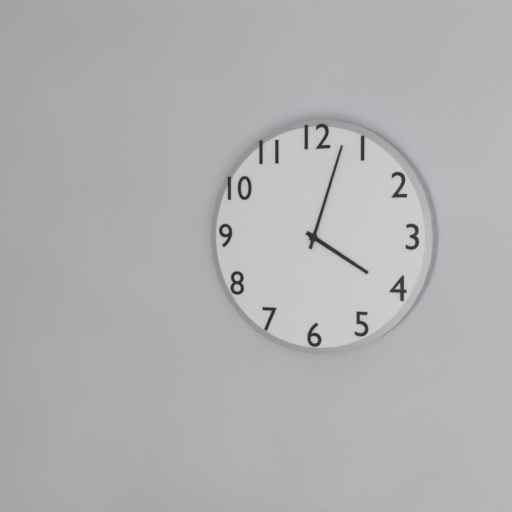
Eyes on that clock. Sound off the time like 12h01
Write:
4h03
